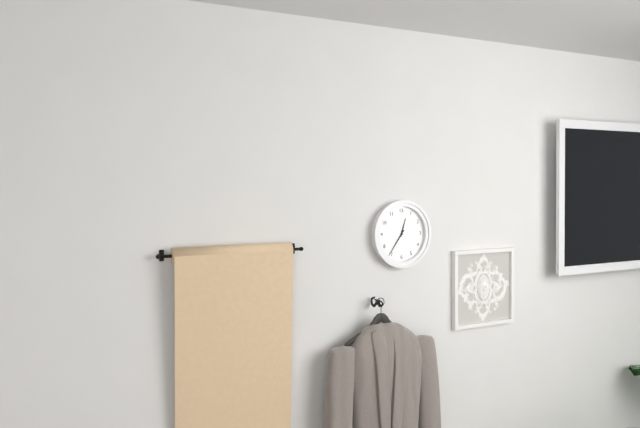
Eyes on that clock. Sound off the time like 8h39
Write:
12h36
